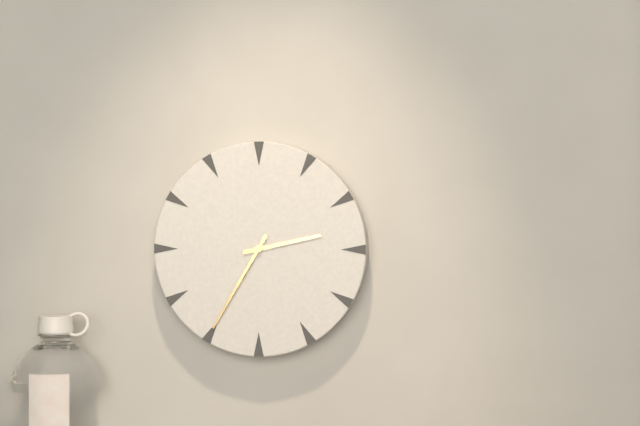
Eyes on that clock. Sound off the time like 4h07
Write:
2h35
